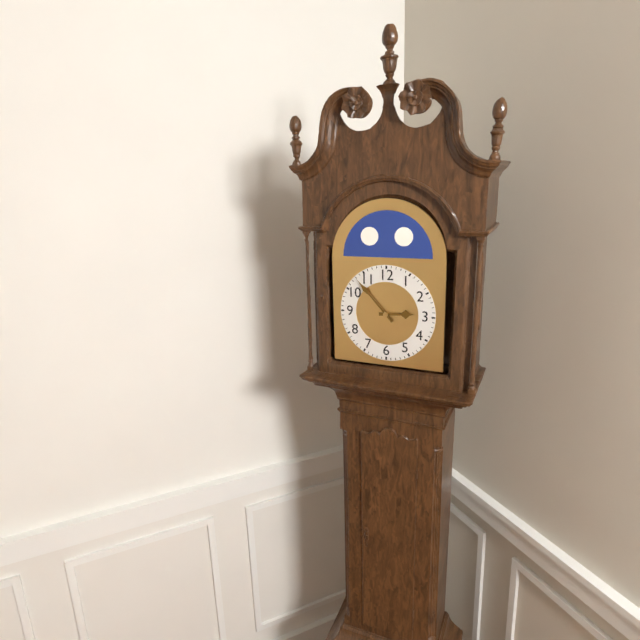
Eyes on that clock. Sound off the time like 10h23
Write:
2h53
